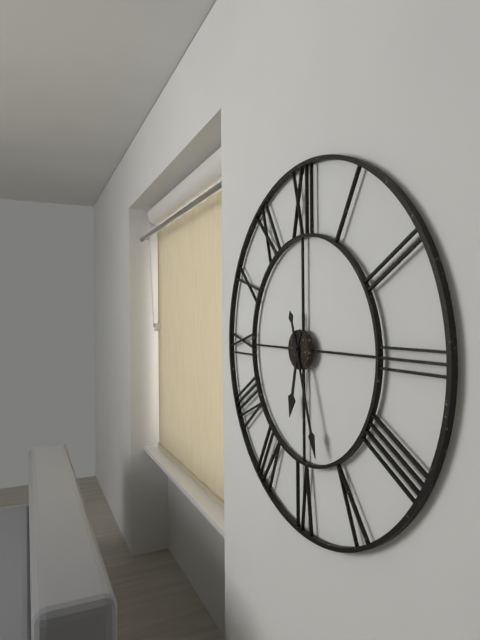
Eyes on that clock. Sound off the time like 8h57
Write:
6h27
